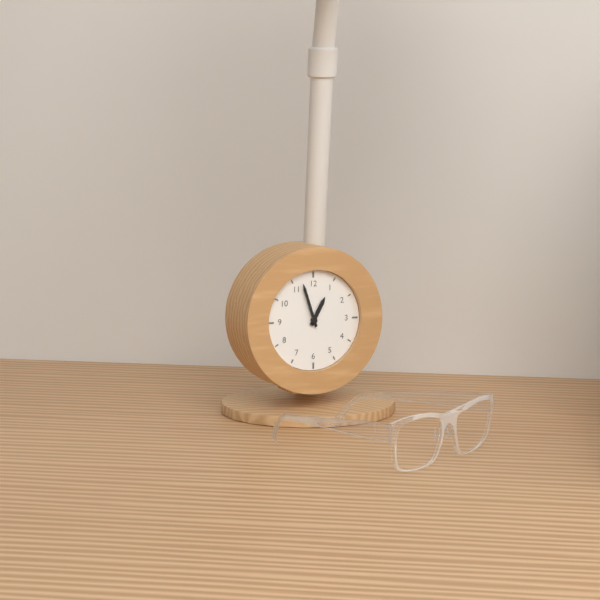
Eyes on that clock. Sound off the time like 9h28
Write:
12h57
